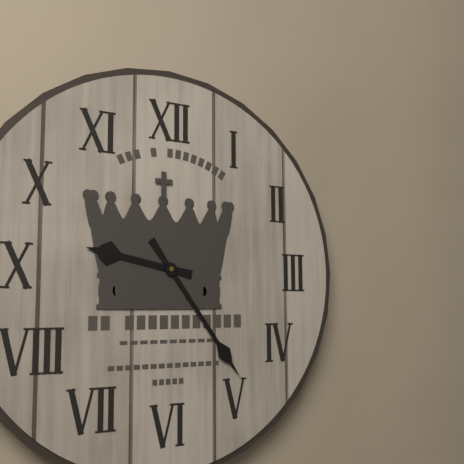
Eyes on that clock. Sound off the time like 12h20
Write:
9h24
